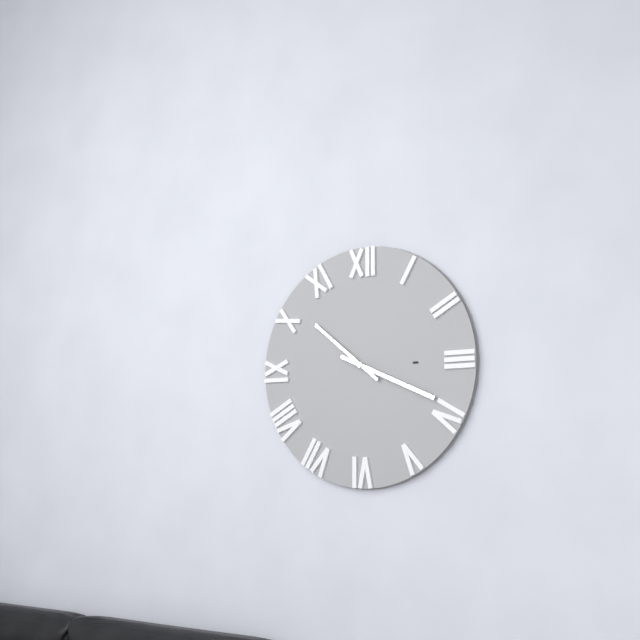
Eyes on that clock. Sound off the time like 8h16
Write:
10h19
